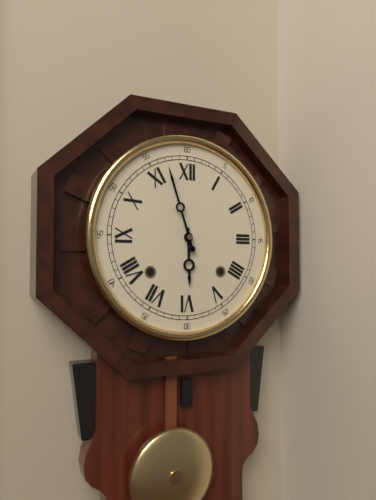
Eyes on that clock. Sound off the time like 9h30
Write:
5h57
